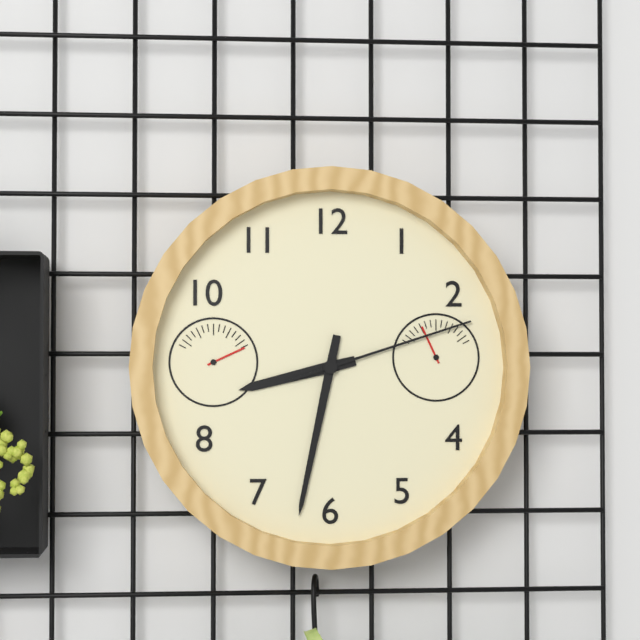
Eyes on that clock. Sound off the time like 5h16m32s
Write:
8h32m12s
